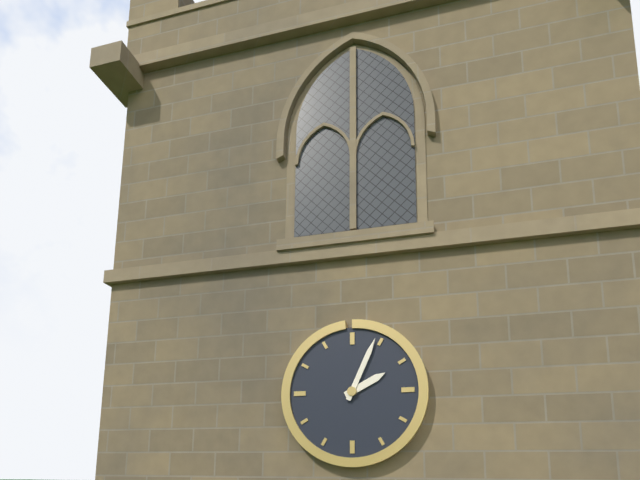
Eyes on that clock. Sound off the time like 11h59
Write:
2h04
